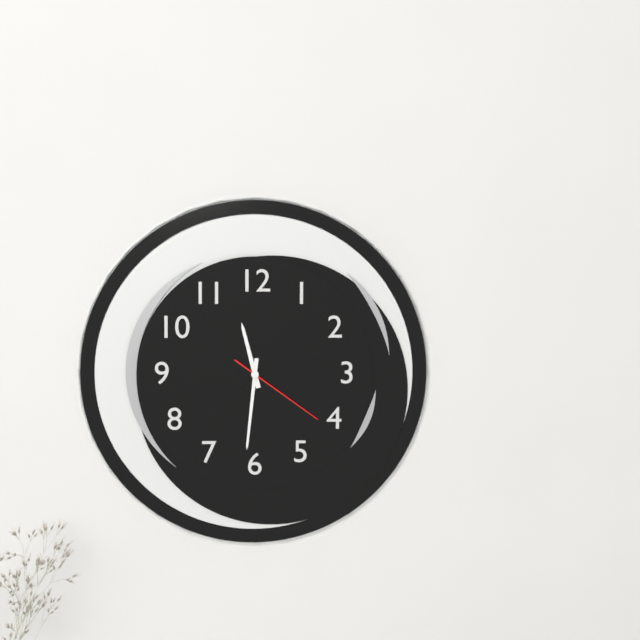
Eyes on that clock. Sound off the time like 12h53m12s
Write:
11h31m21s
